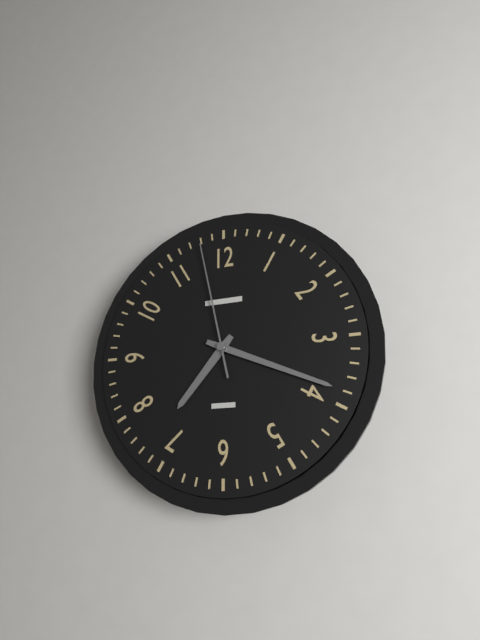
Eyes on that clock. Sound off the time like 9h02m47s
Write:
7h19m58s
